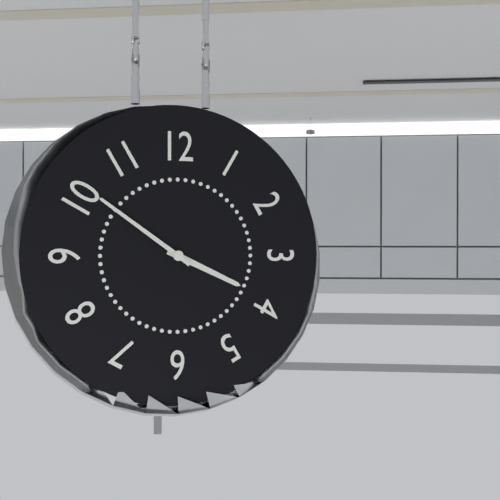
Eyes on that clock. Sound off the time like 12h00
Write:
3h51
